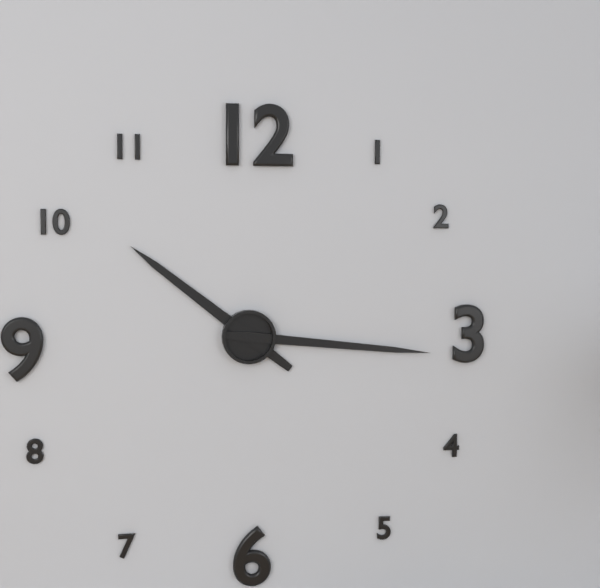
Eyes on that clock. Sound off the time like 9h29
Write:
10h16
